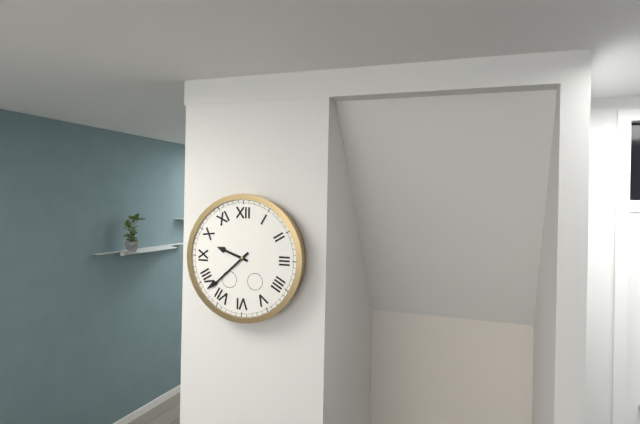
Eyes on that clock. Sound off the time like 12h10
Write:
9h38
